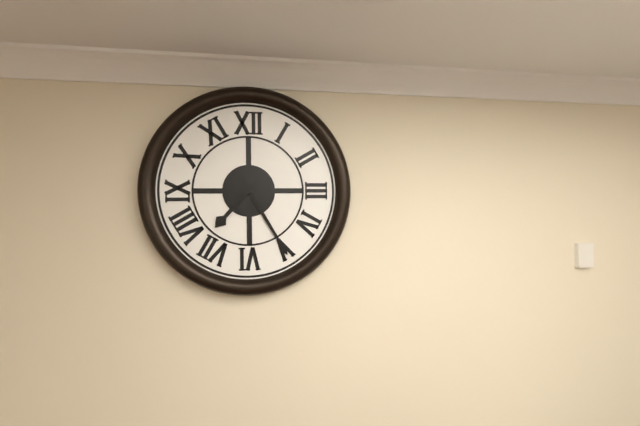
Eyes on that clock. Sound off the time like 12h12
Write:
7h25
